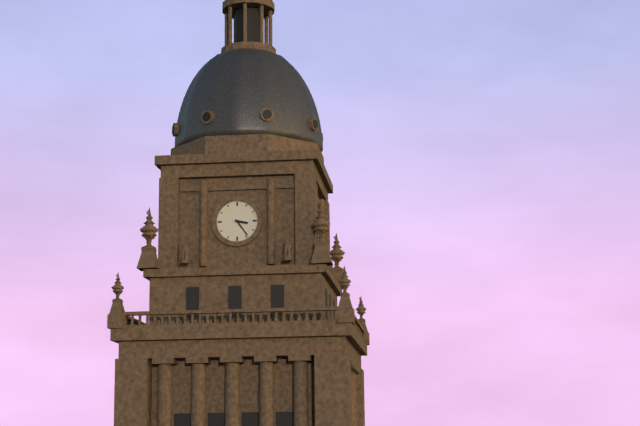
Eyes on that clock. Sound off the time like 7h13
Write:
3h24
